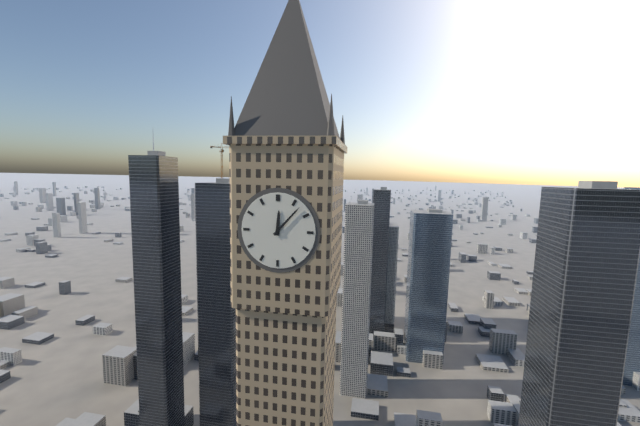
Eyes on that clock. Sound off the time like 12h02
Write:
12h07
